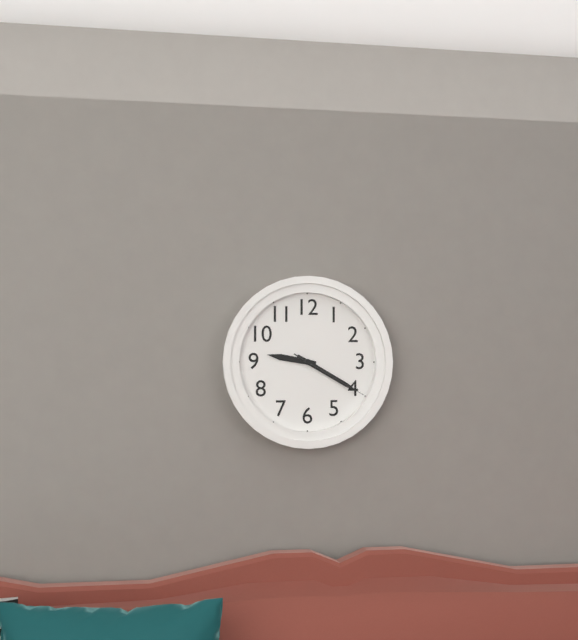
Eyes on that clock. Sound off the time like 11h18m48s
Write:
9h20m20s
